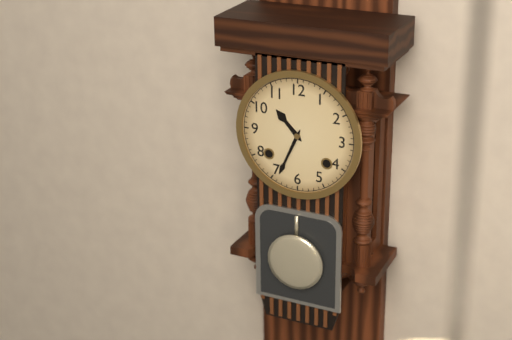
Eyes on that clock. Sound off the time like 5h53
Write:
10h34
